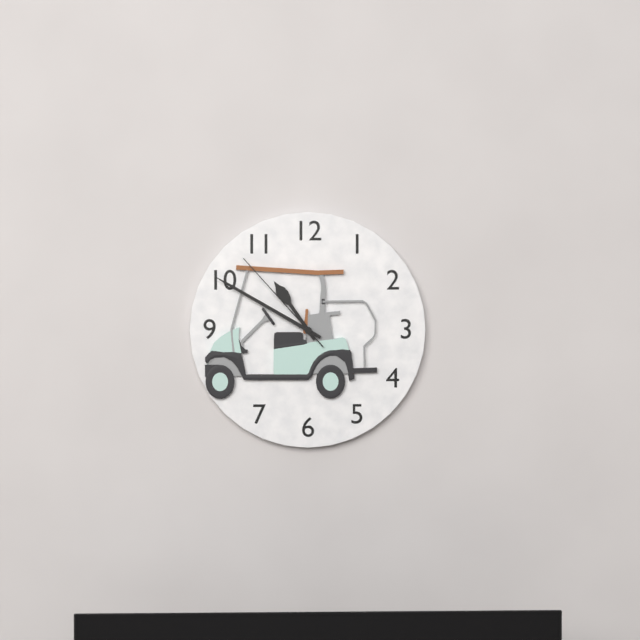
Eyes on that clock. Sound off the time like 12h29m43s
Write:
10h50m53s
